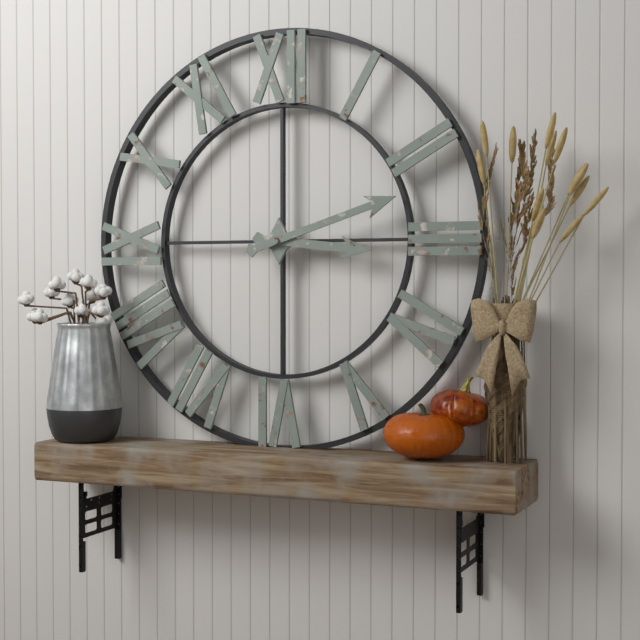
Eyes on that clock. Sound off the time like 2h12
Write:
3h12
